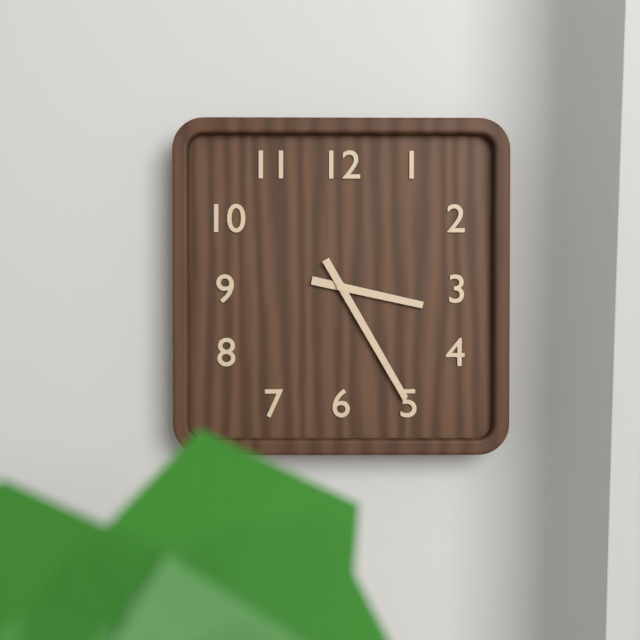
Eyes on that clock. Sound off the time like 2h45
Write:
3h25
